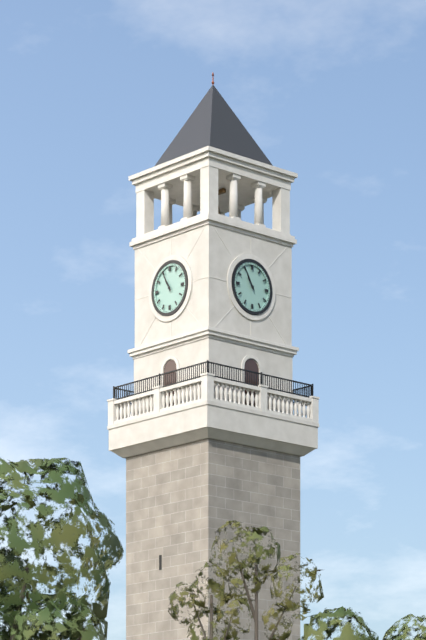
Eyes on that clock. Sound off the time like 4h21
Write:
10h55
